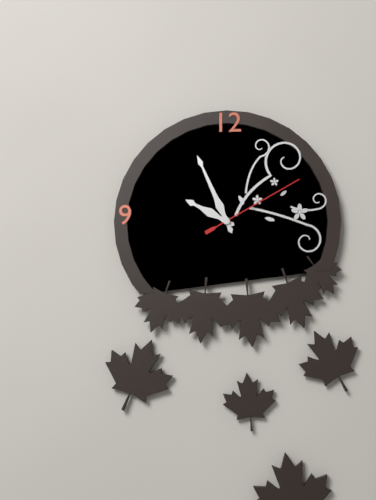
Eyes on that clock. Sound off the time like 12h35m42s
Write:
9h56m10s
